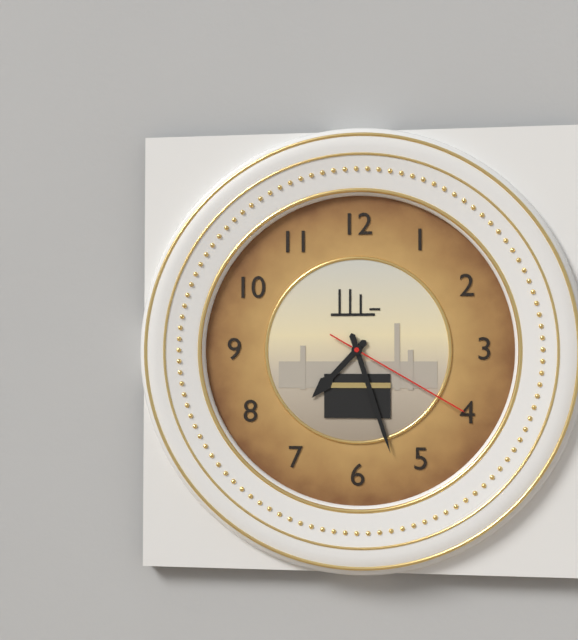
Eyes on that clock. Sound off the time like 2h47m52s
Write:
7h27m20s
